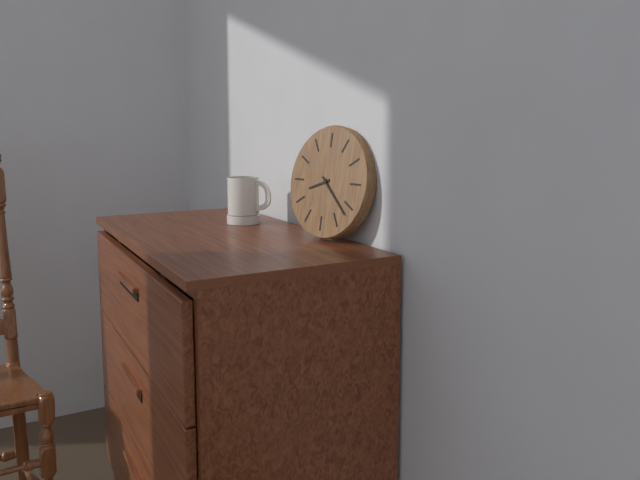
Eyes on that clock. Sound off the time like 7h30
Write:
8h22
